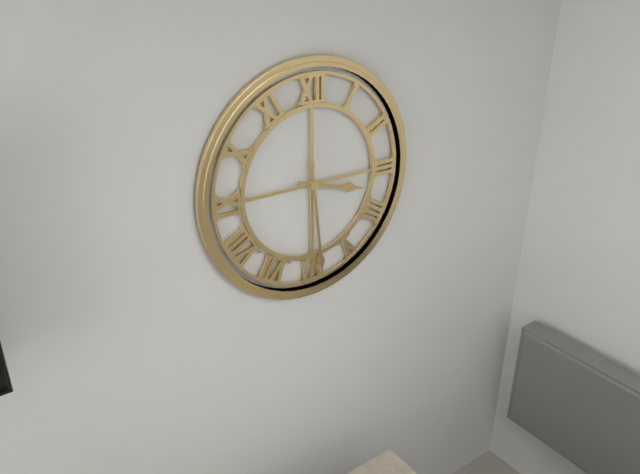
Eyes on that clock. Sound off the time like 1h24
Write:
3h29
